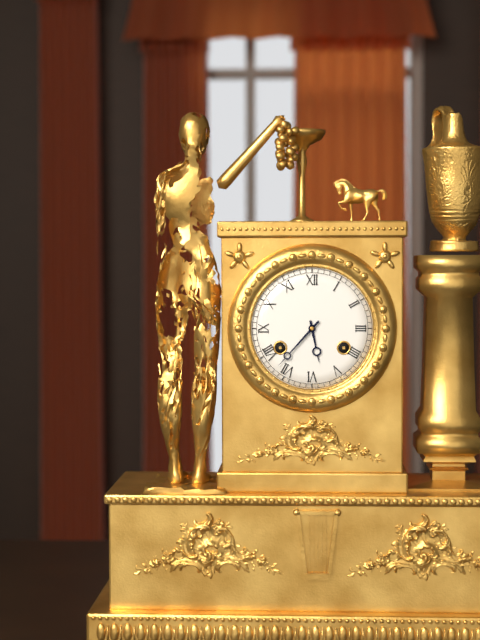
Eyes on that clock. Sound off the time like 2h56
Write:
5h37
